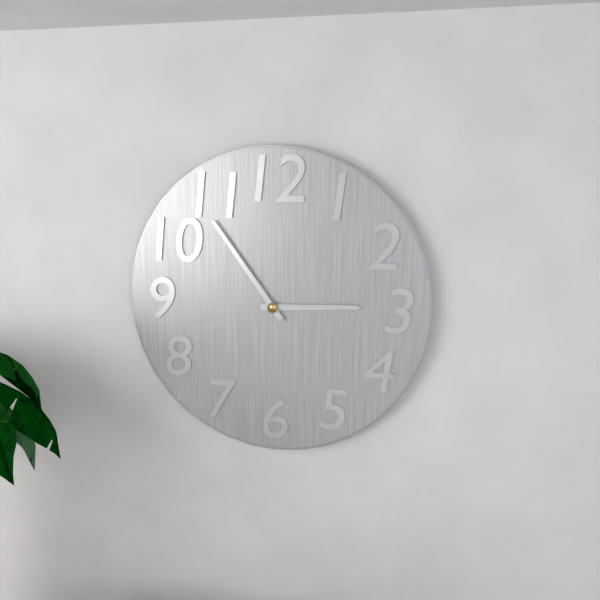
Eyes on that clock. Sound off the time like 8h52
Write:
2h54
